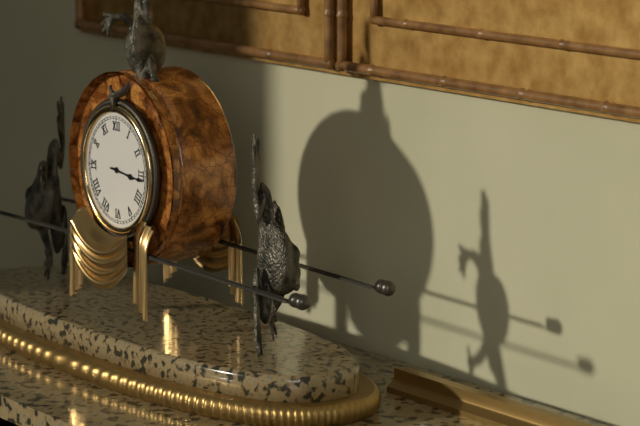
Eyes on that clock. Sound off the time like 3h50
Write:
3h16
